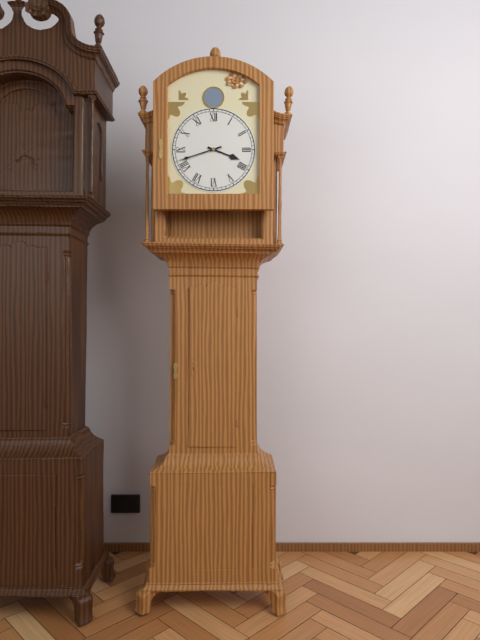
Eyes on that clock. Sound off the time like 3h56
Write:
3h42
